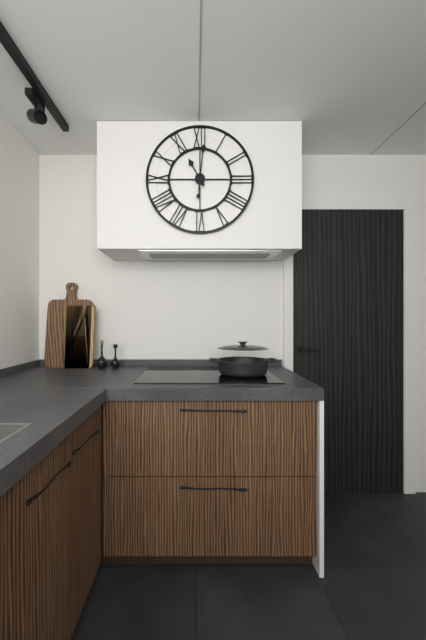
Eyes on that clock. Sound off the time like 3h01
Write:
11h01
